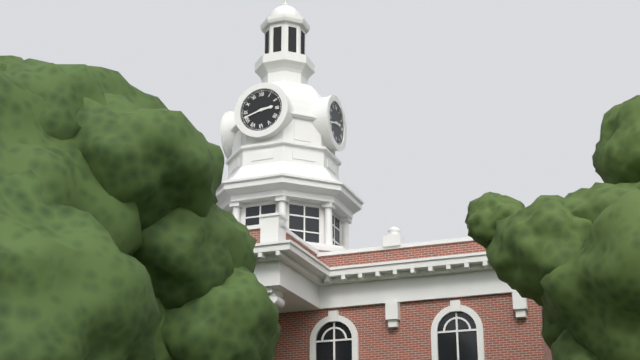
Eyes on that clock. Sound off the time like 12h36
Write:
2h42
